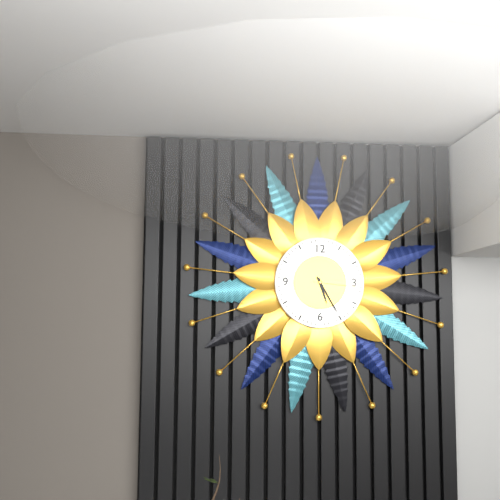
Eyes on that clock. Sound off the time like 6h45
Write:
5h25
